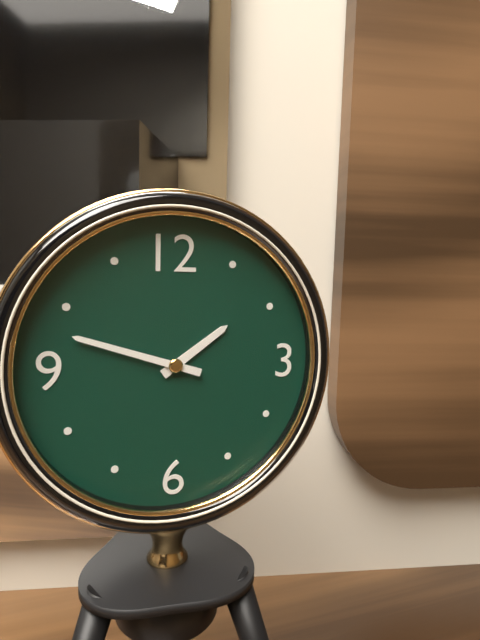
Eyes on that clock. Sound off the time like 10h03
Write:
1h48
